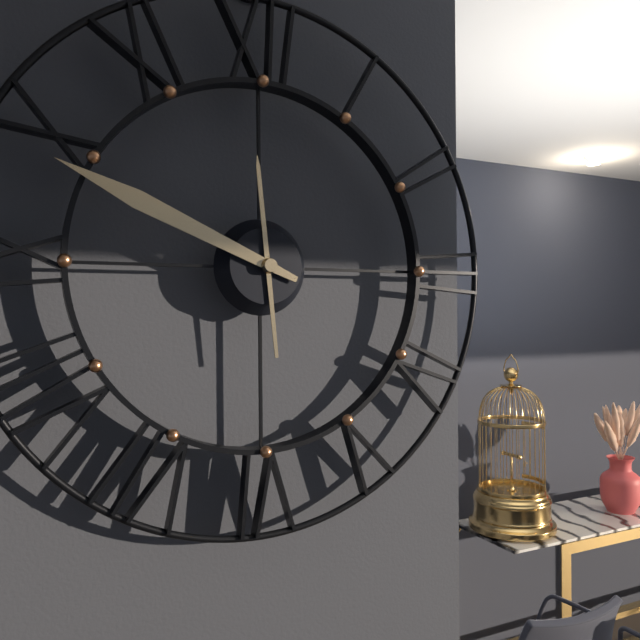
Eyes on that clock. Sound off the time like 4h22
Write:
11h49
